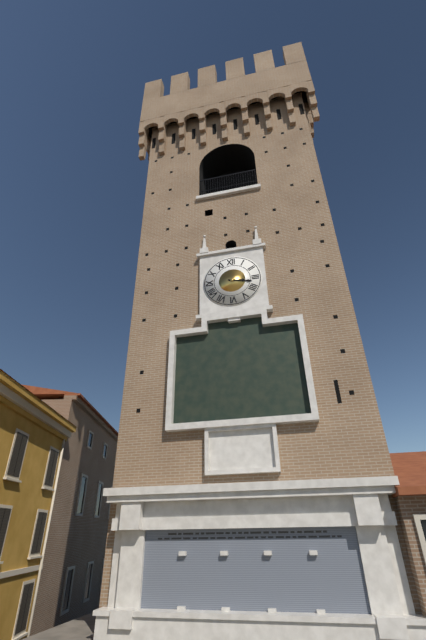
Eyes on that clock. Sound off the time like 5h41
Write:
3h17
